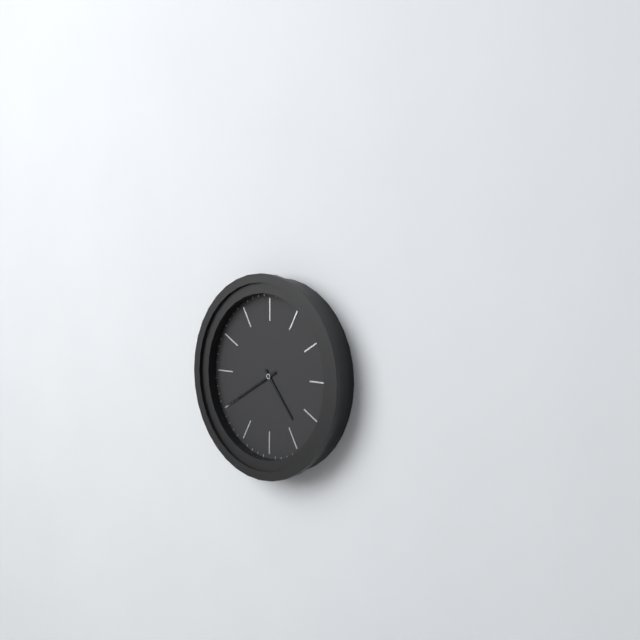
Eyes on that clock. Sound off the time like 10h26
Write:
4h40
